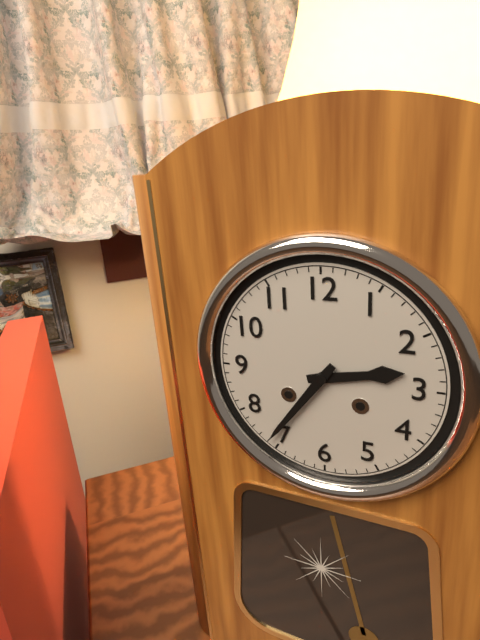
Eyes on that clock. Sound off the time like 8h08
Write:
2h36
